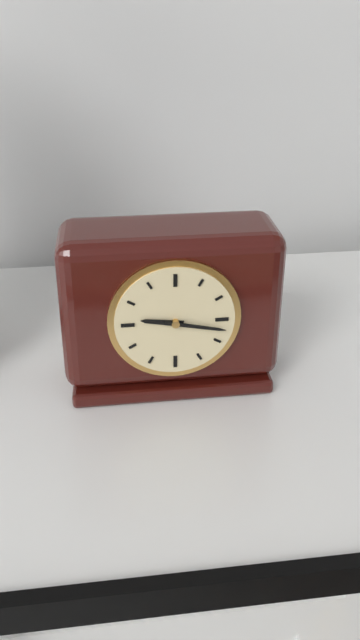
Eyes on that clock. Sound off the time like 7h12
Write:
9h17
